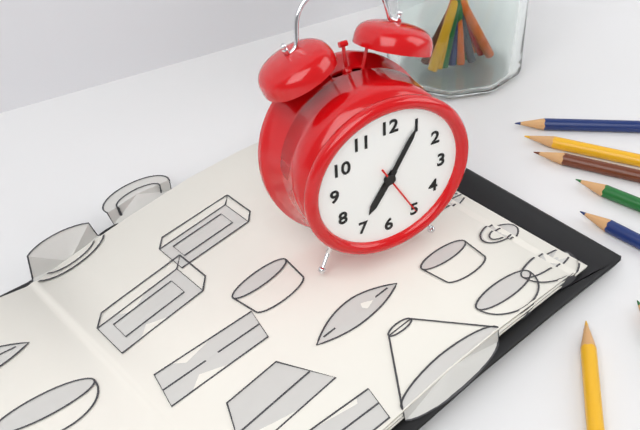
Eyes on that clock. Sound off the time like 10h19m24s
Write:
7h05m25s
